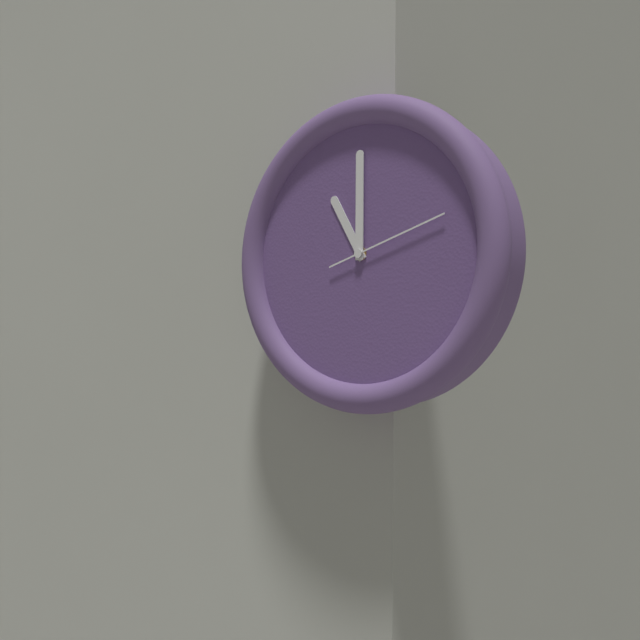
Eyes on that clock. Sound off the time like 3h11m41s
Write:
11h00m12s
